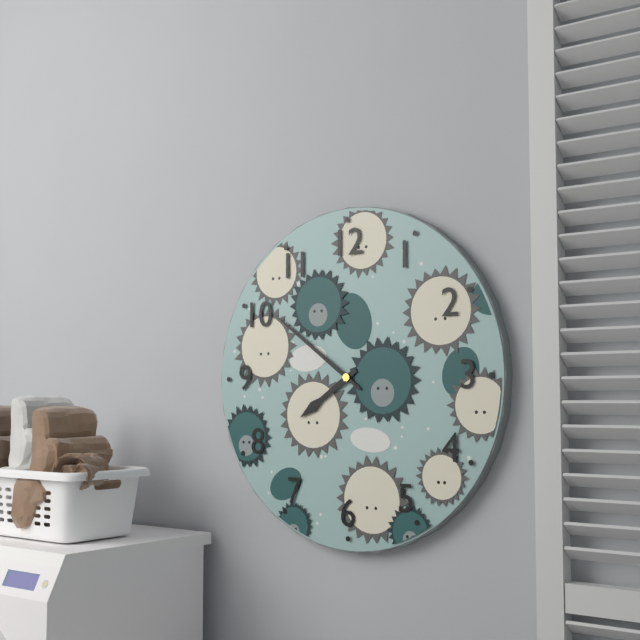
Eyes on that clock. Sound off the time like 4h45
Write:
7h51
